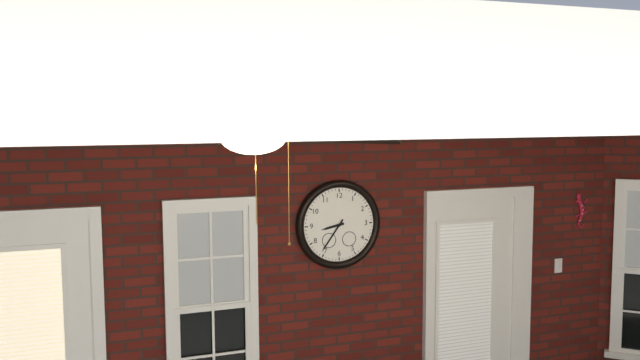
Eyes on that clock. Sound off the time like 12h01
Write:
8h36
